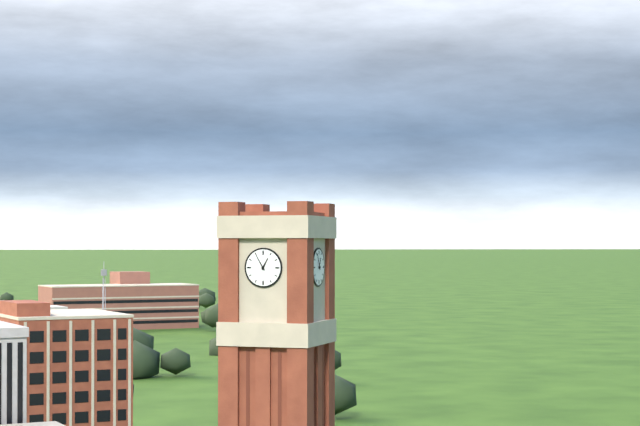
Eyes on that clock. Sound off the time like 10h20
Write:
12h55
